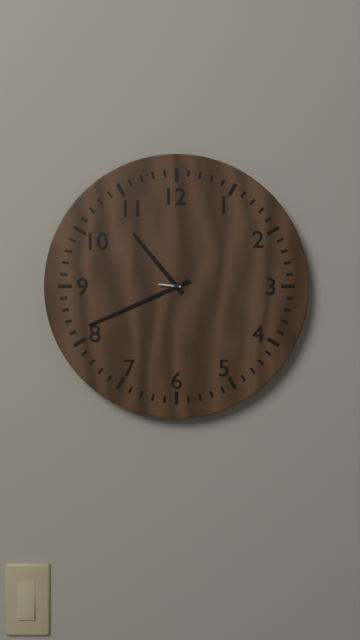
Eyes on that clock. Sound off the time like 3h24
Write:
10h41
